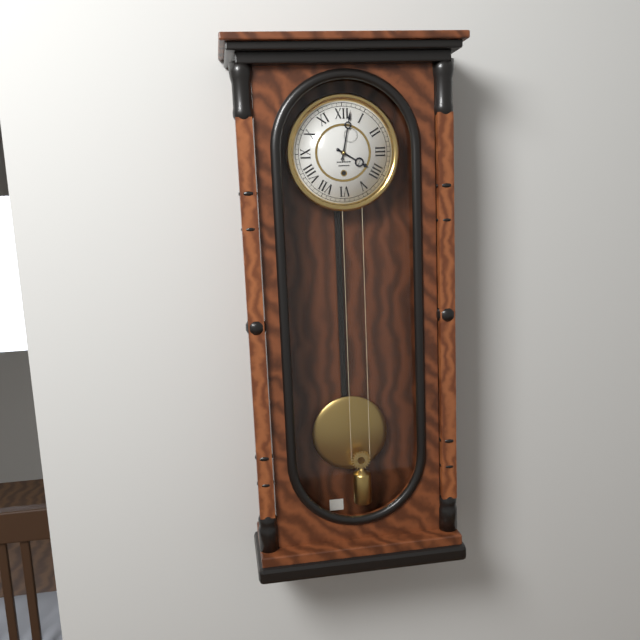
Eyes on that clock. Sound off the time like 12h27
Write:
4h02
